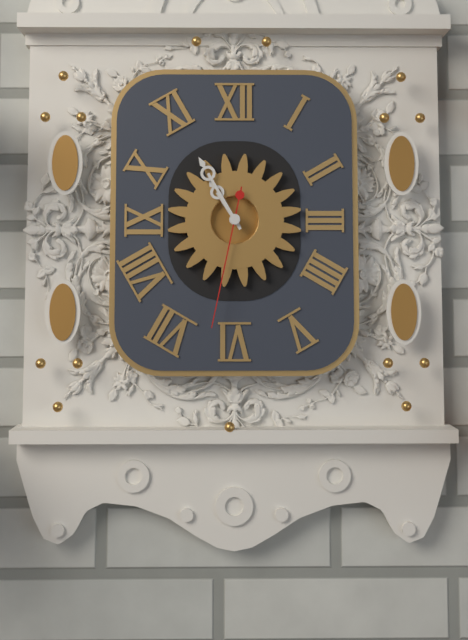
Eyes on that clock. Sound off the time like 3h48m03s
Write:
10h55m32s
